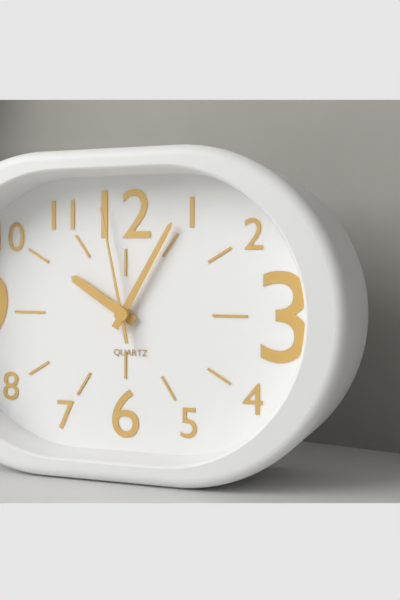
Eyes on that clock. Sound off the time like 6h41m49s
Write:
10h05m58s
